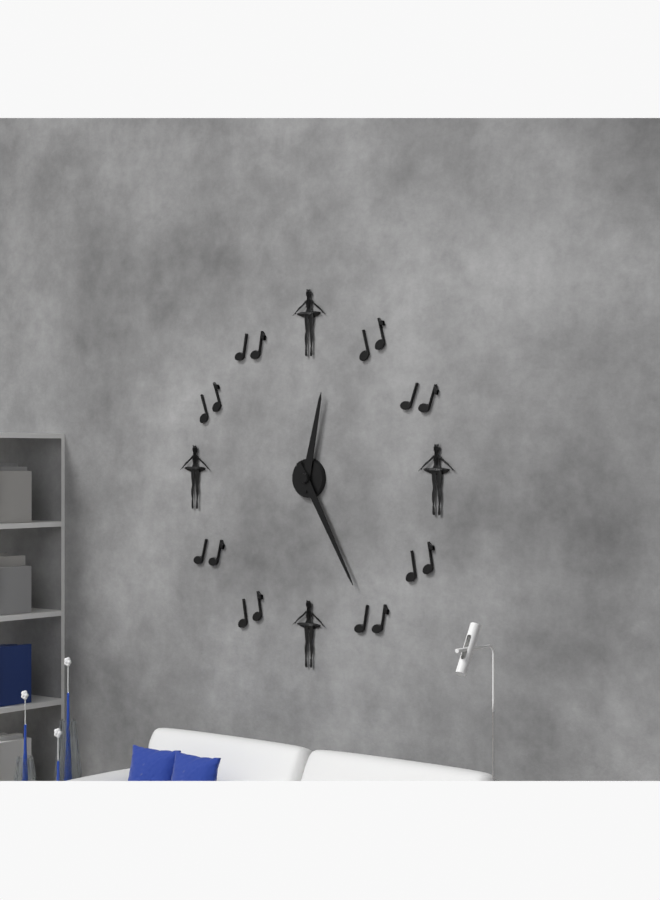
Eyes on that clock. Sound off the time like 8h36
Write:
12h25
